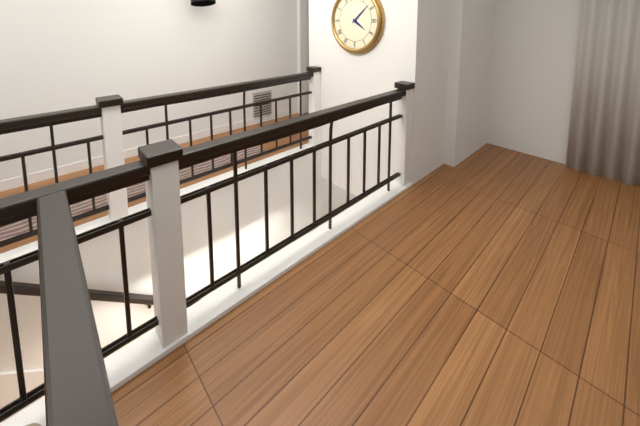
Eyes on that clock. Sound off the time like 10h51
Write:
4h08
